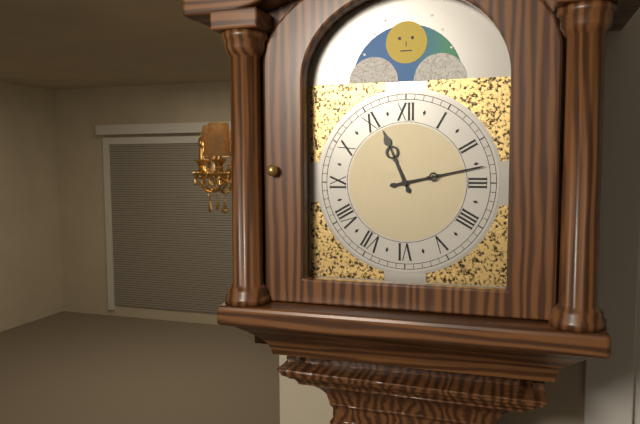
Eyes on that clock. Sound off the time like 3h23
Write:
11h13
